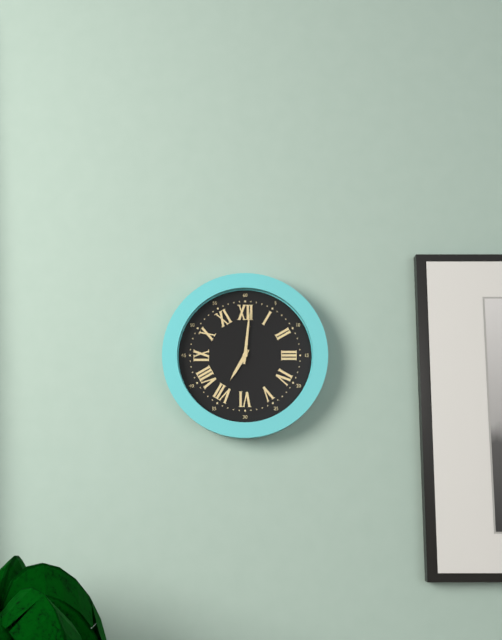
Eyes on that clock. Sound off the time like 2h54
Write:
7h01
